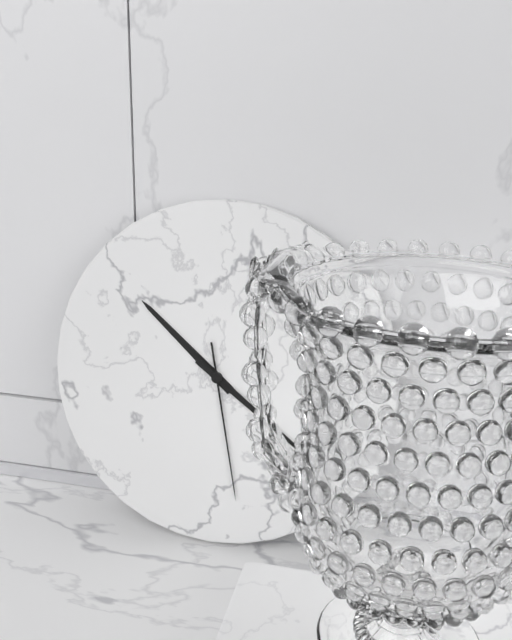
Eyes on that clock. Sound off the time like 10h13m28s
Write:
10h21m28s
